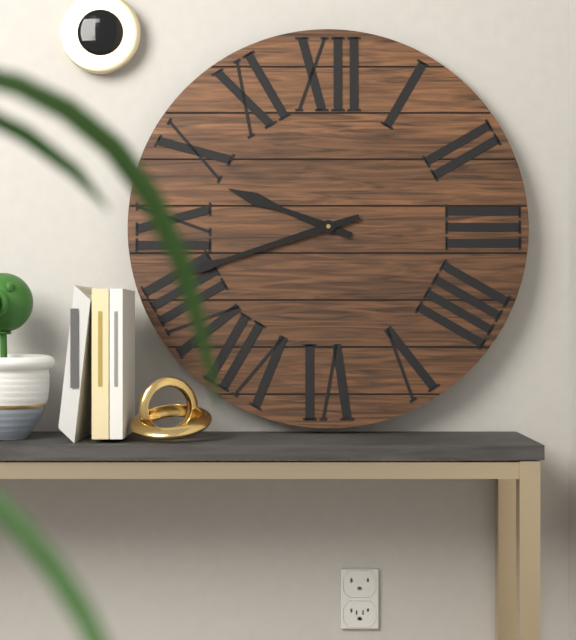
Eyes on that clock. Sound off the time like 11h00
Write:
9h42
